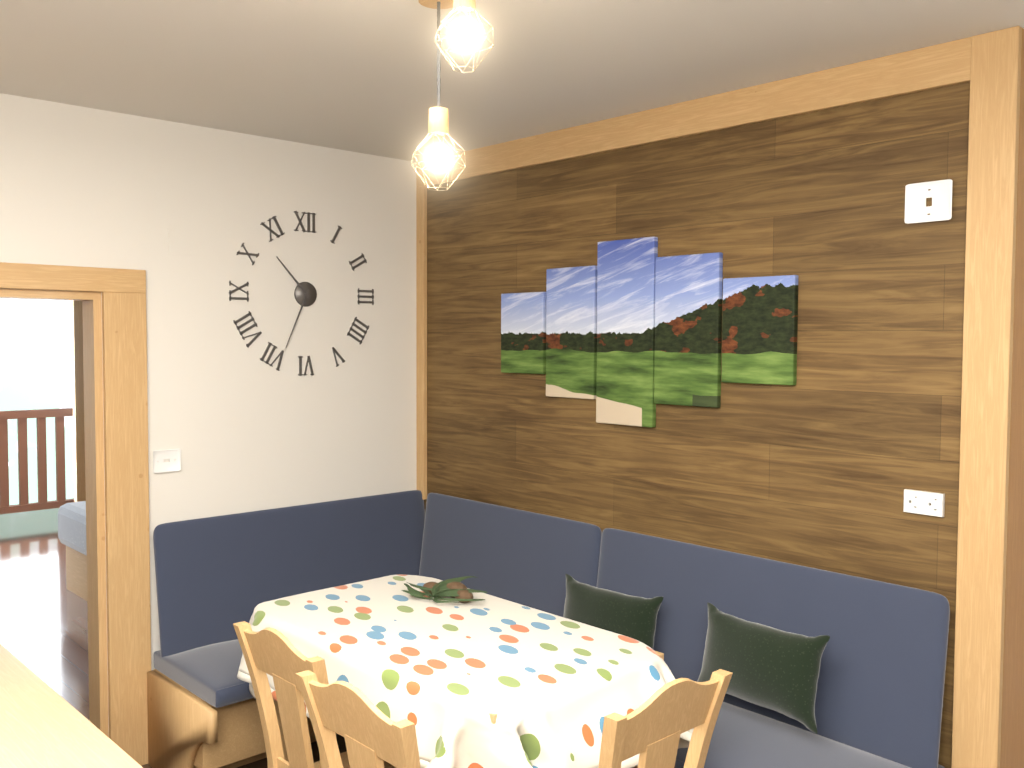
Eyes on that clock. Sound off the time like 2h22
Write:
10h34
